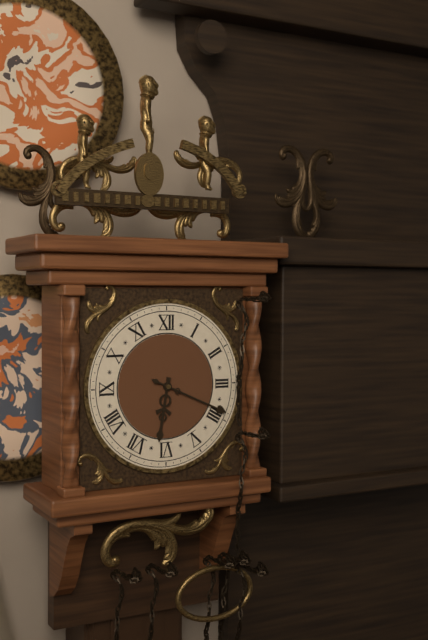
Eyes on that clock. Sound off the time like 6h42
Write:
6h19
